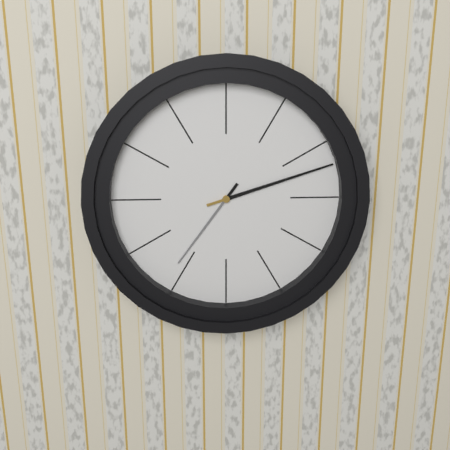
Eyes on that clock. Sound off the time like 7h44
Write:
7h12
